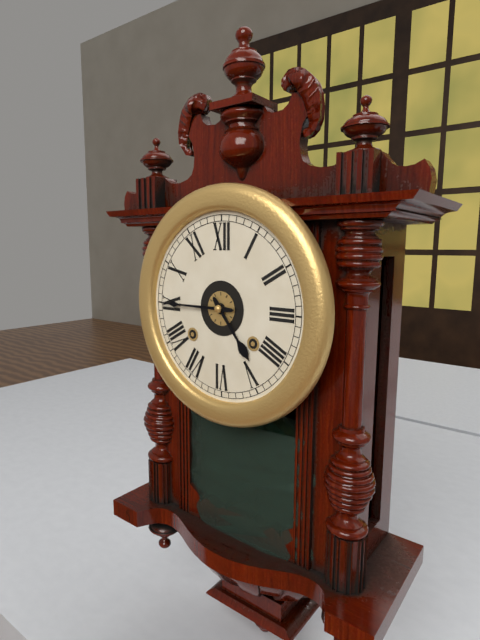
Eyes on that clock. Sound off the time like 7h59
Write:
4h45
